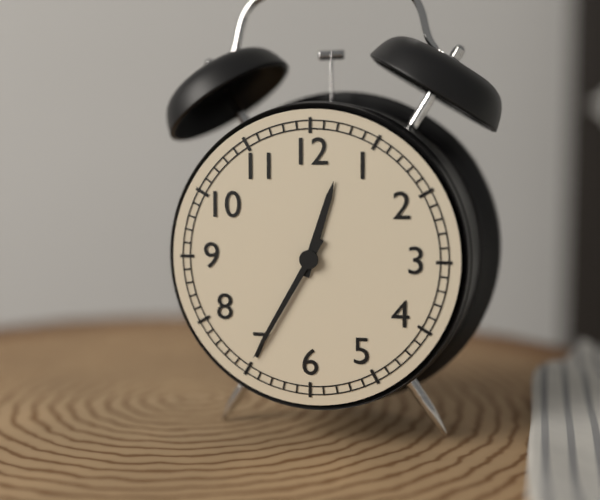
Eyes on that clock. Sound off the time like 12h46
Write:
12h35
